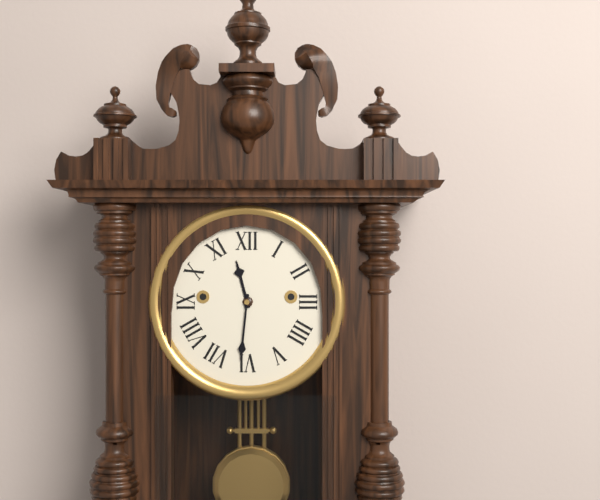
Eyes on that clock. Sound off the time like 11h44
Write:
11h31
